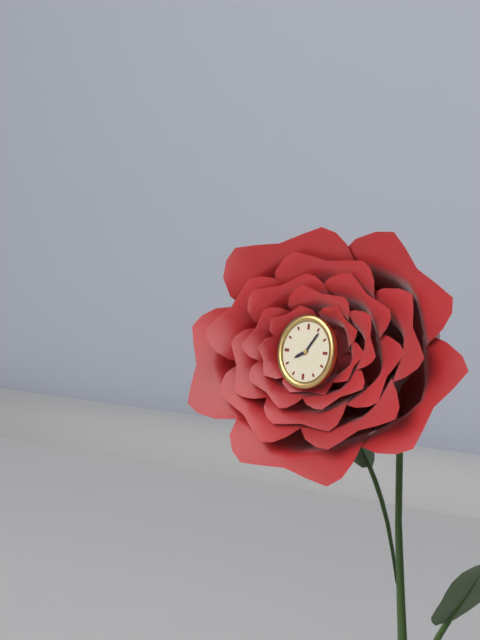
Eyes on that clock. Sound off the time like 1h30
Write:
8h06
